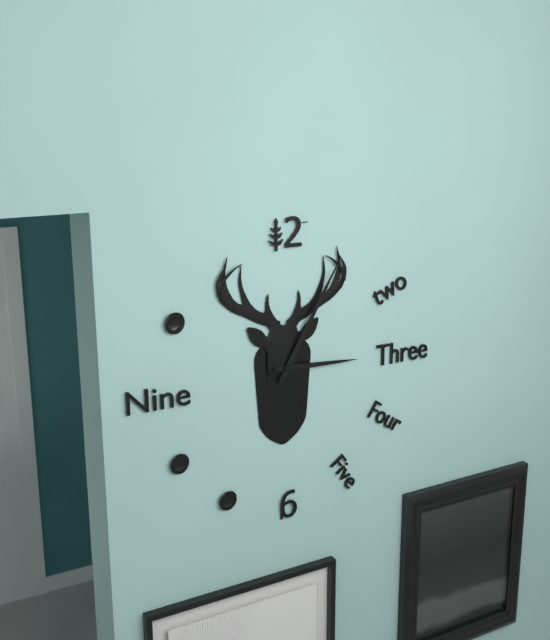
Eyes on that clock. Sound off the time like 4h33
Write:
3h05
